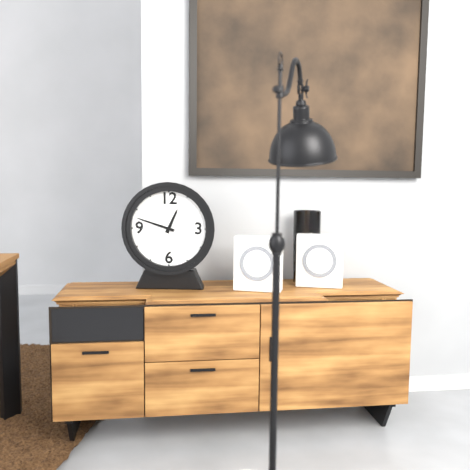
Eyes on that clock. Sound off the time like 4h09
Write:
12h48
